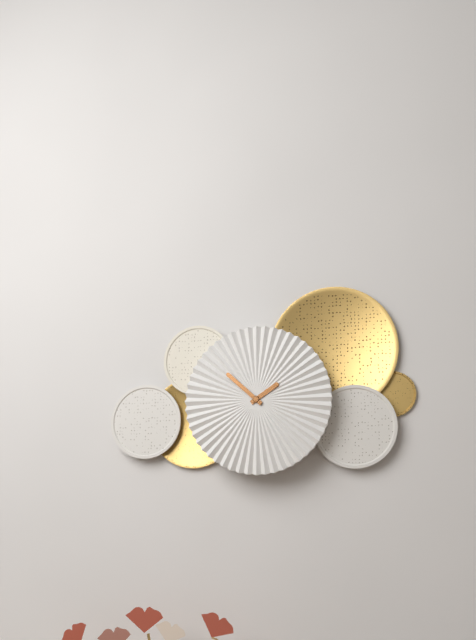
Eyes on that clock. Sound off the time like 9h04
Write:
1h52
